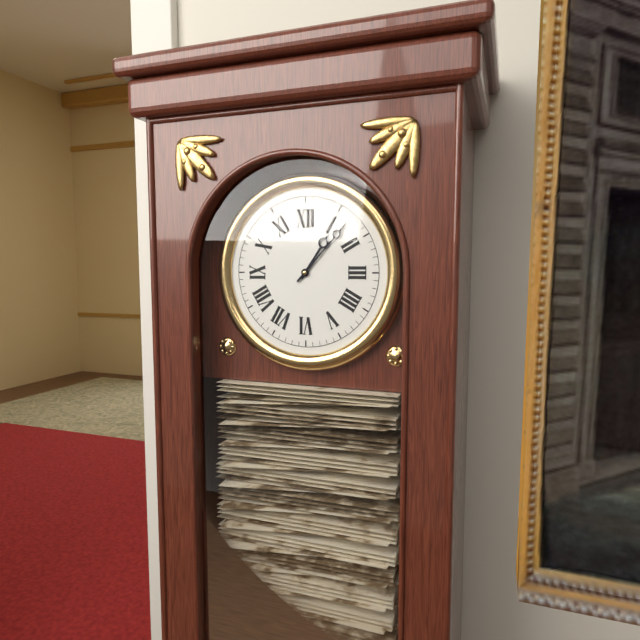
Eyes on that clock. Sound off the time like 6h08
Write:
1h07
